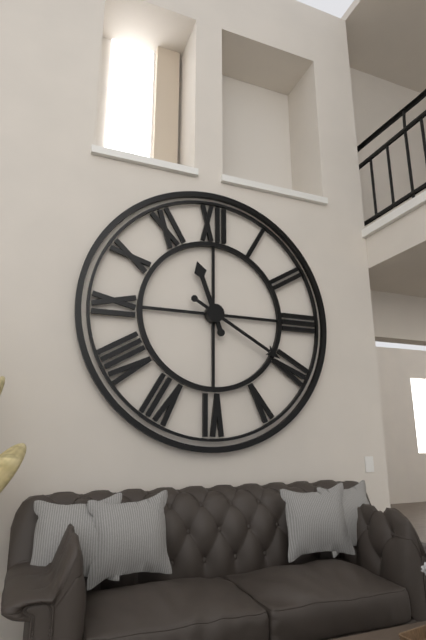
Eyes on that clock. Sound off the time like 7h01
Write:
11h20
